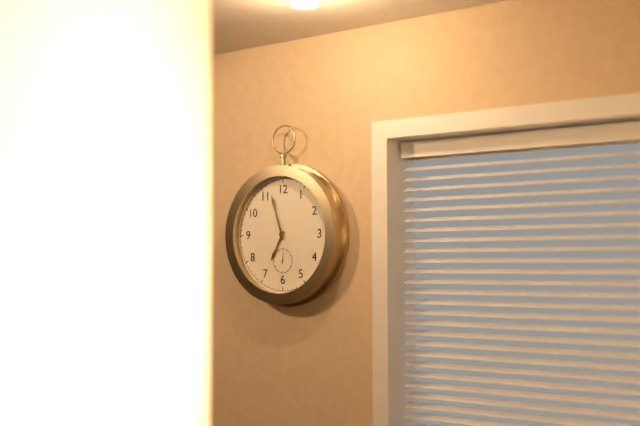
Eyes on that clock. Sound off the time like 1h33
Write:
6h57
